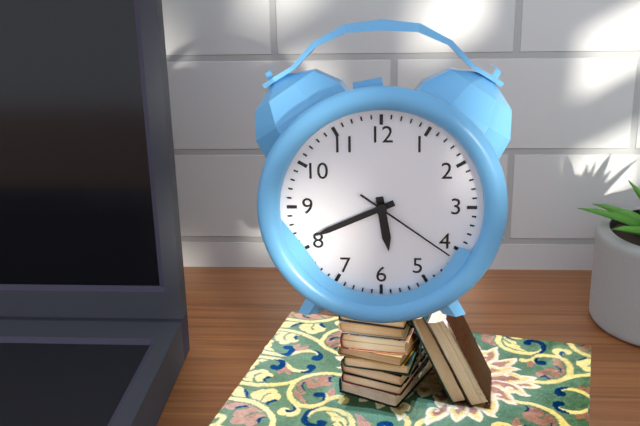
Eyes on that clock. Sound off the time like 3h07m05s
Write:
5h41m21s
